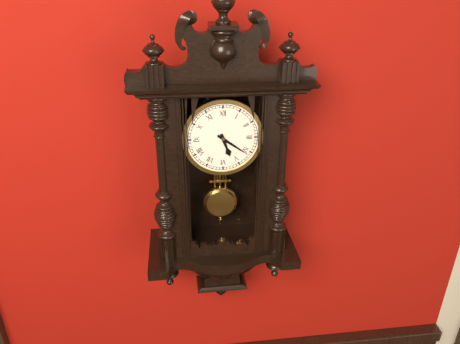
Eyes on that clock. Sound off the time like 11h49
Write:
5h21
